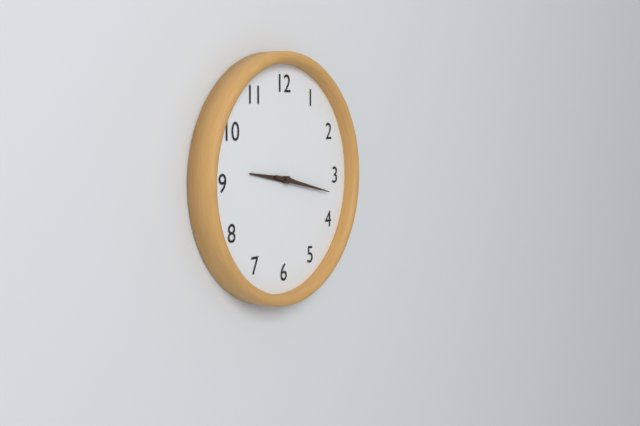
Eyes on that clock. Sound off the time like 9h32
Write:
9h17
